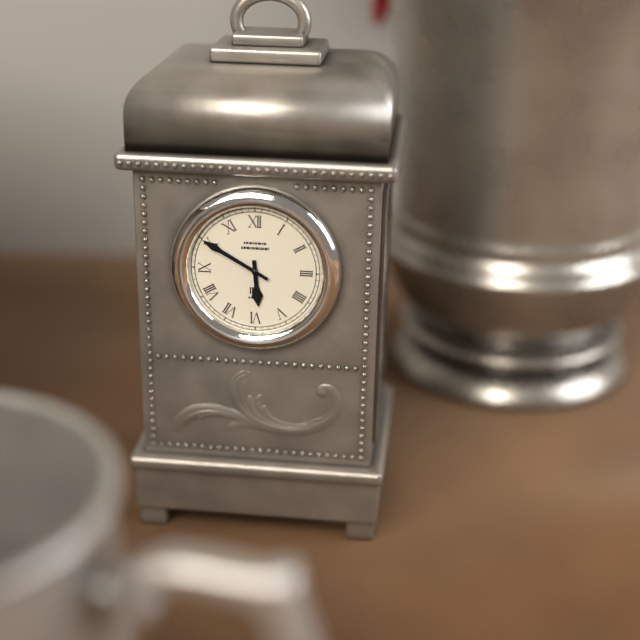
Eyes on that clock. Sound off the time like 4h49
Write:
5h50
